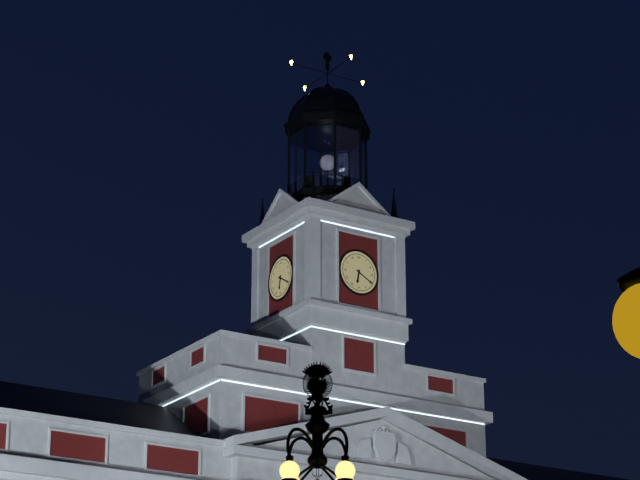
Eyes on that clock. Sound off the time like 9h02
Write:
6h20
